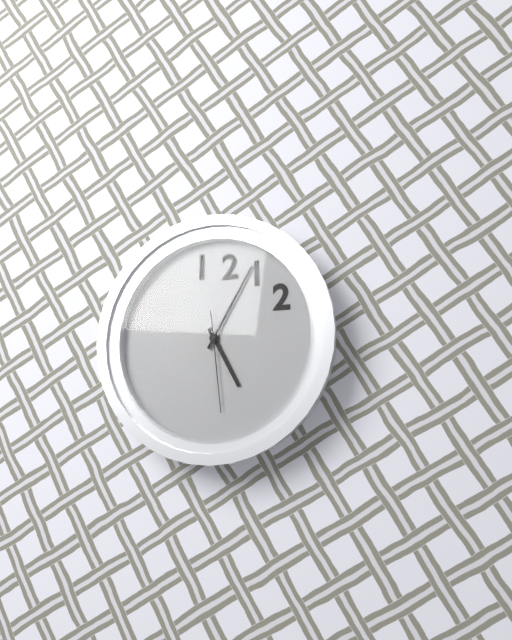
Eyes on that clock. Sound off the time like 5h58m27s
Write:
5h05m29s
